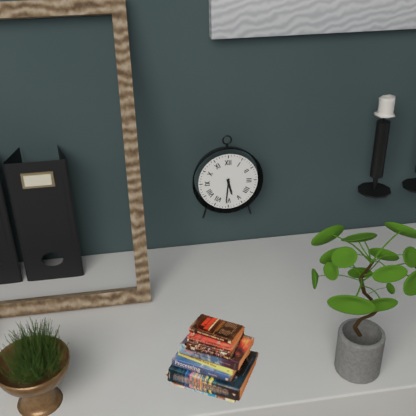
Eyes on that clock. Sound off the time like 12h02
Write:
5h31
